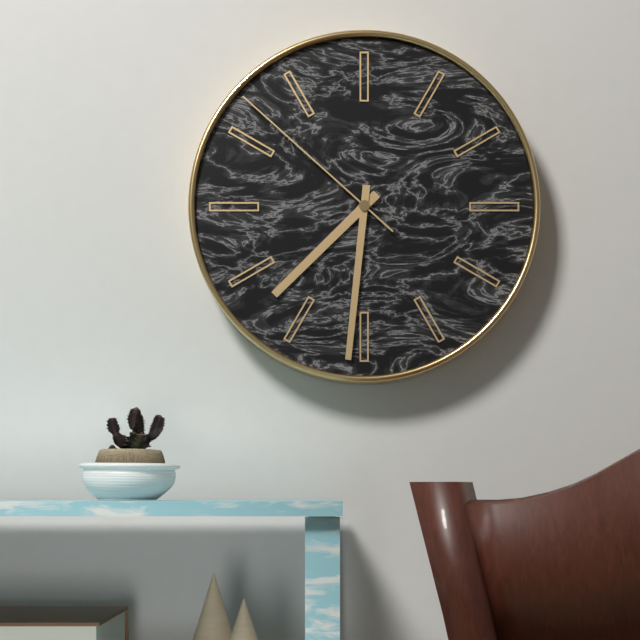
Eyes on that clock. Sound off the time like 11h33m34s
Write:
7h31m52s
